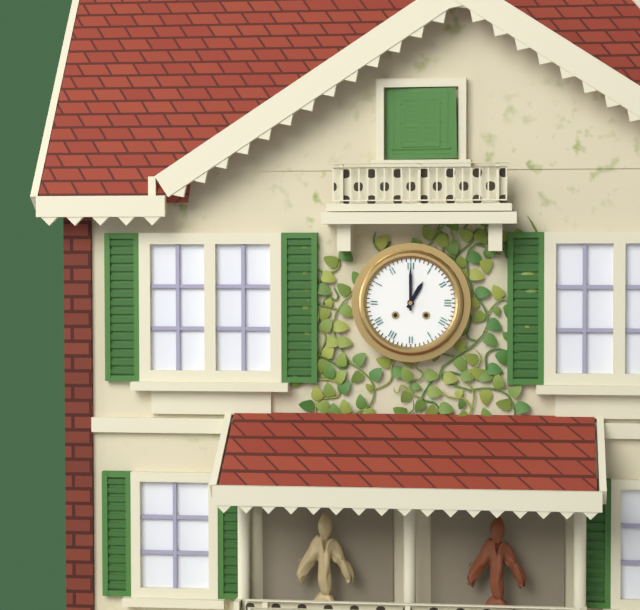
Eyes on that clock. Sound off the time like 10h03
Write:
1h00
